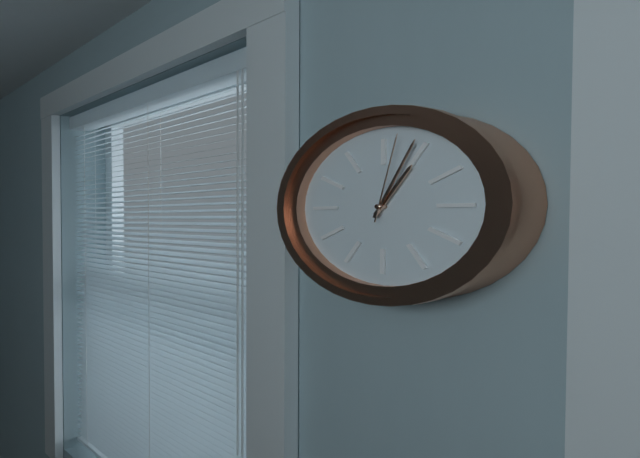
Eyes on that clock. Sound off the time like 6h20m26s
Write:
1h04m02s
